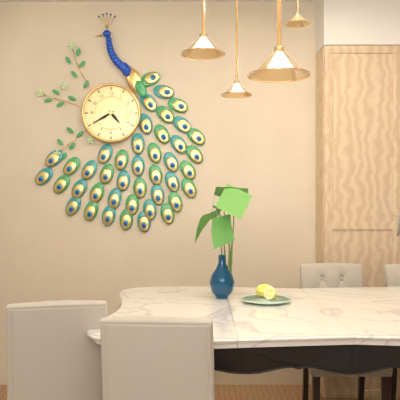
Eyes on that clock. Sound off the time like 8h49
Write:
4h40
